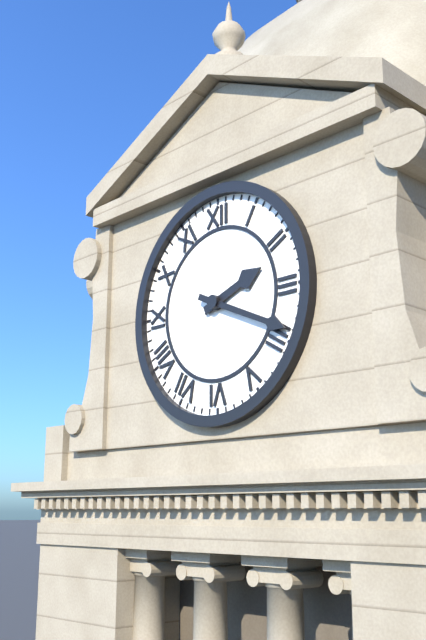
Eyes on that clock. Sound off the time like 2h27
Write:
2h19
